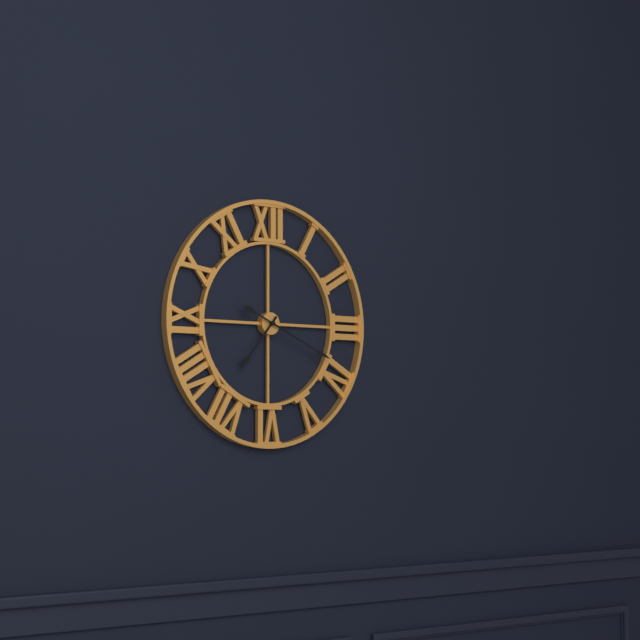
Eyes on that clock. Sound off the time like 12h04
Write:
7h19
